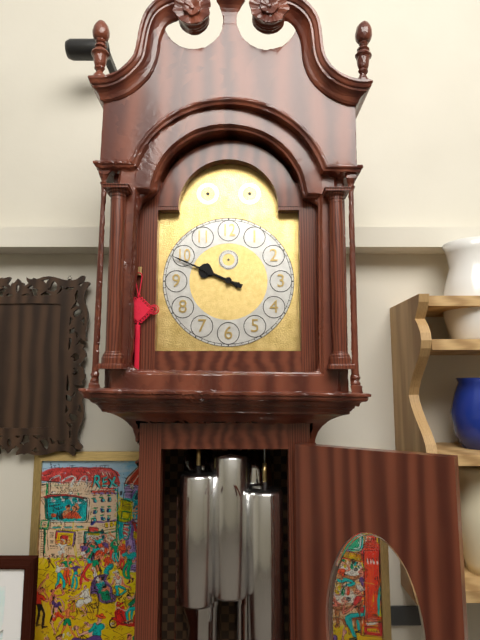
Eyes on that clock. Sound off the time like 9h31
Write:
9h49
